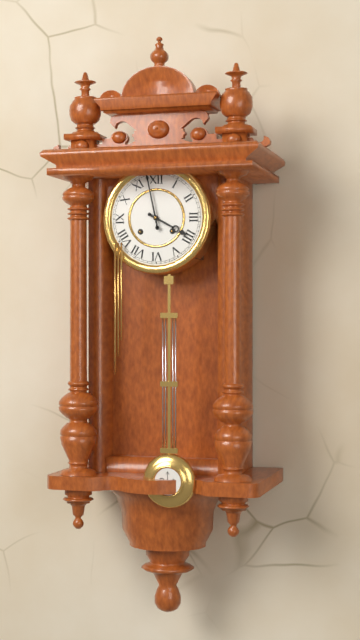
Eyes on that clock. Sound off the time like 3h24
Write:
3h58
